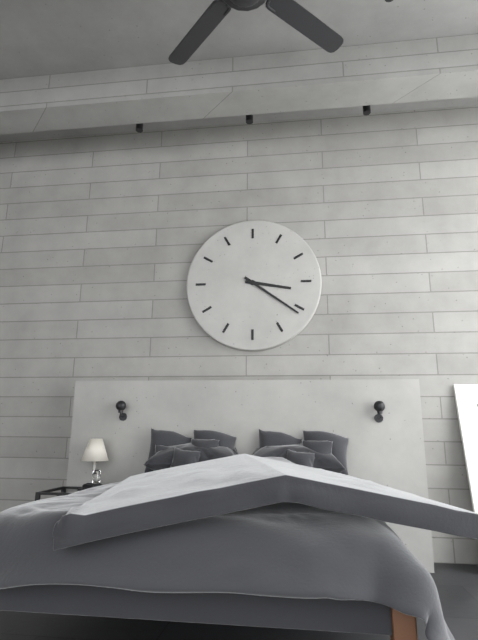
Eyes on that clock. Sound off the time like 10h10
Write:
3h21
